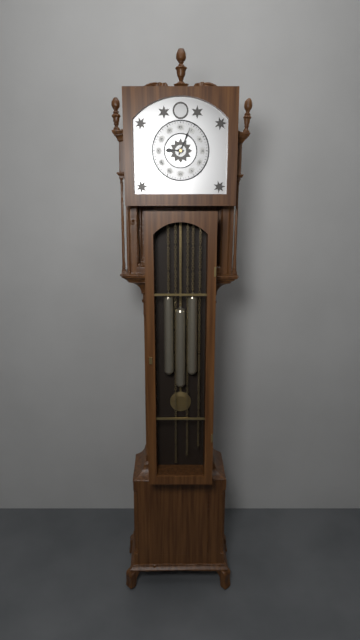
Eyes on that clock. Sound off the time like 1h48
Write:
9h04
